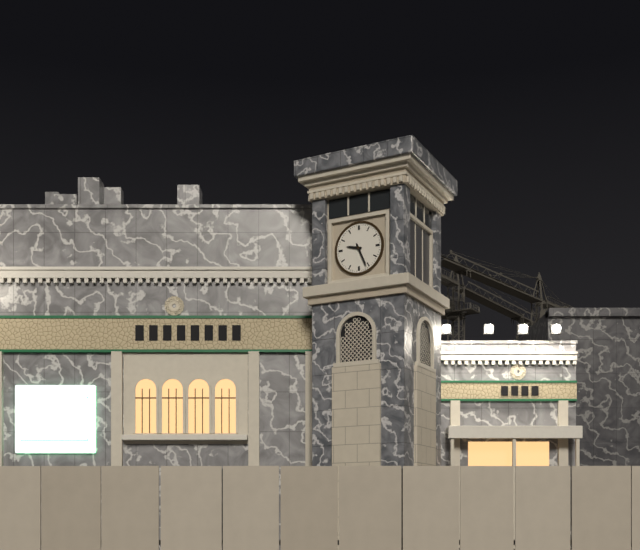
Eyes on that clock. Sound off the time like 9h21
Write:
9h26
